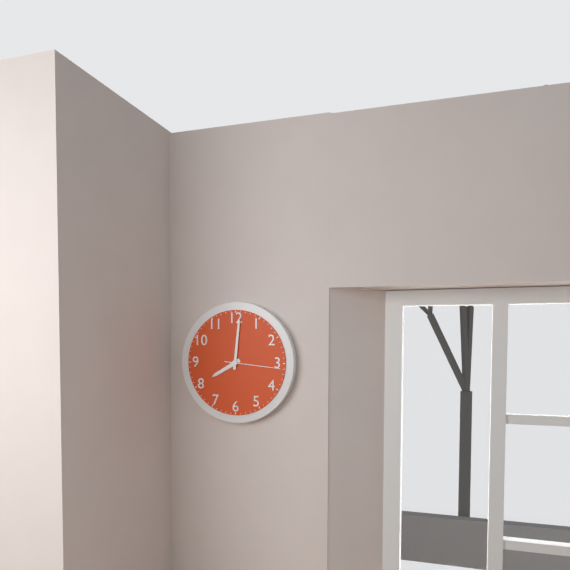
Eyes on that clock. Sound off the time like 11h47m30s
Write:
8h01m16s
